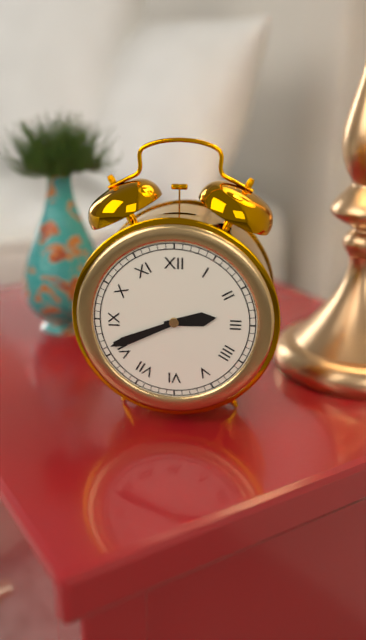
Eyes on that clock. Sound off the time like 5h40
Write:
2h41
